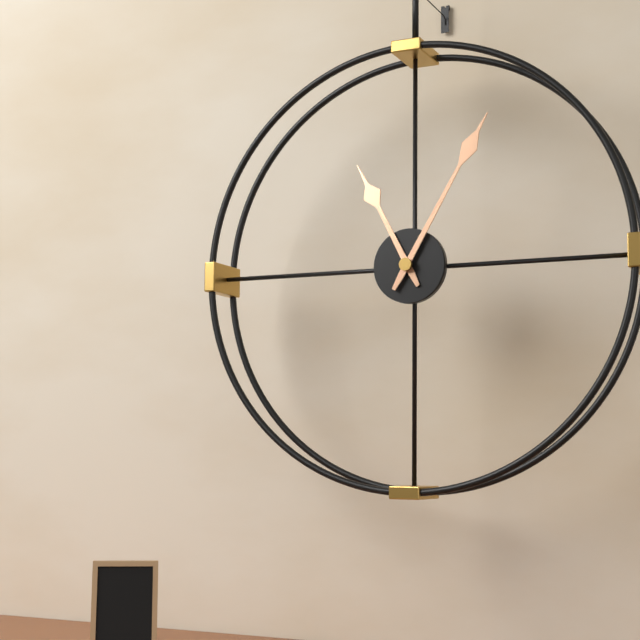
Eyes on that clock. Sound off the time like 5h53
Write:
11h05
